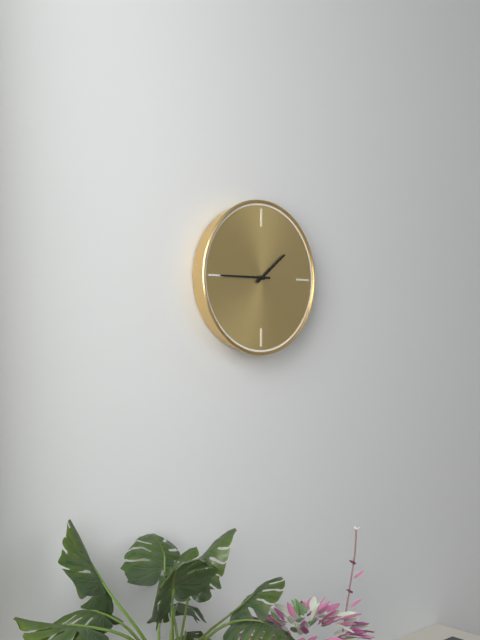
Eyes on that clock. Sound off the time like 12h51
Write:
1h45
